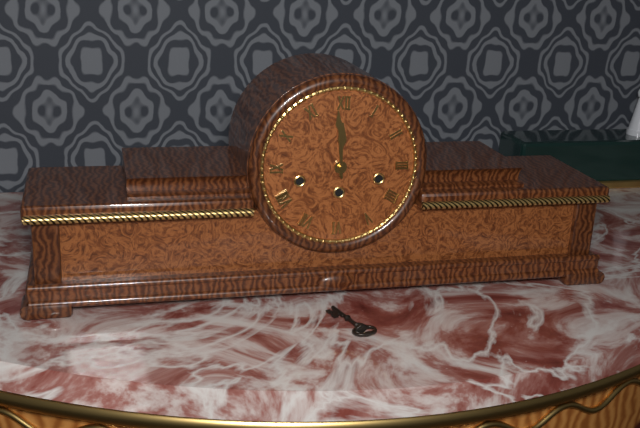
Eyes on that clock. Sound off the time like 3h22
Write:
11h59
